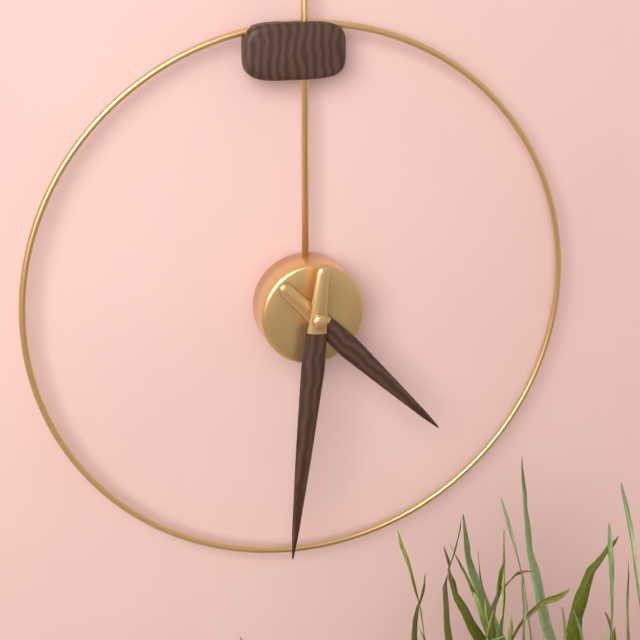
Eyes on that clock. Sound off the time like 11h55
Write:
4h31
